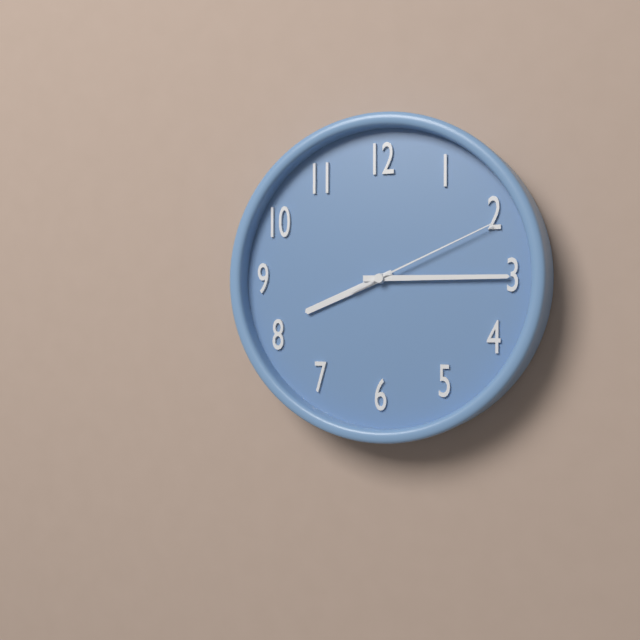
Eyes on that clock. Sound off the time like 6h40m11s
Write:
8h15m11s
